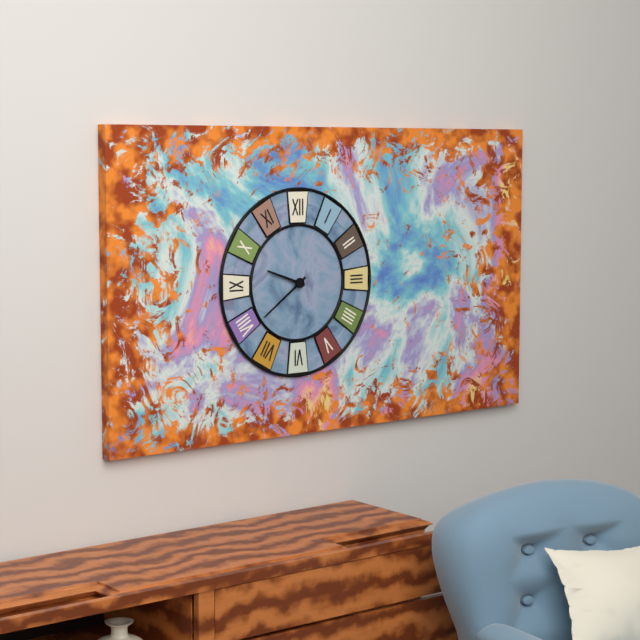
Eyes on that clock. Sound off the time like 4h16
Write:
9h39
